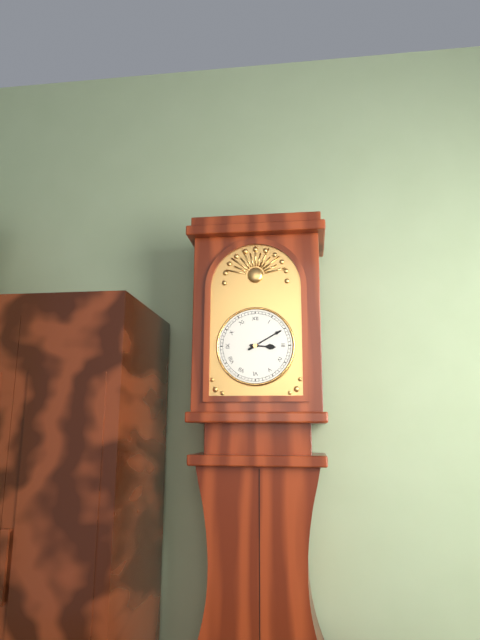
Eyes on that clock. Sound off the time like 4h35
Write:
3h10
